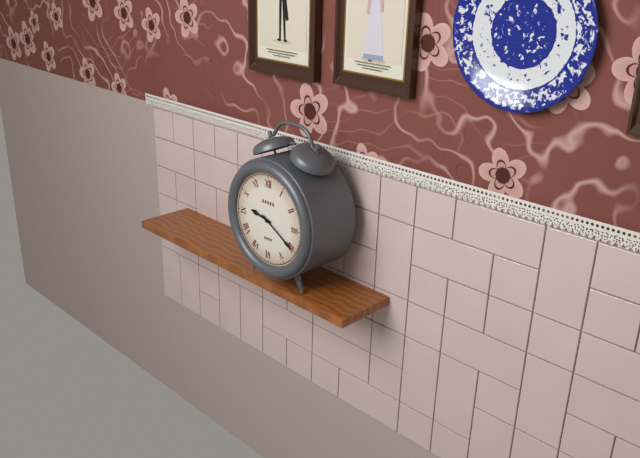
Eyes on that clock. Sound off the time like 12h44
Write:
9h20
